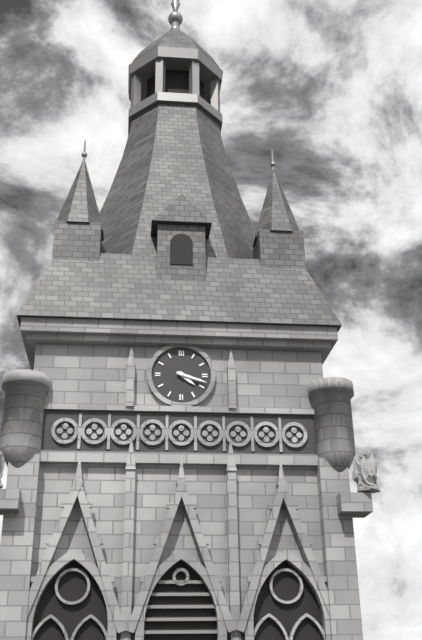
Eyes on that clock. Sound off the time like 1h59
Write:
4h18
